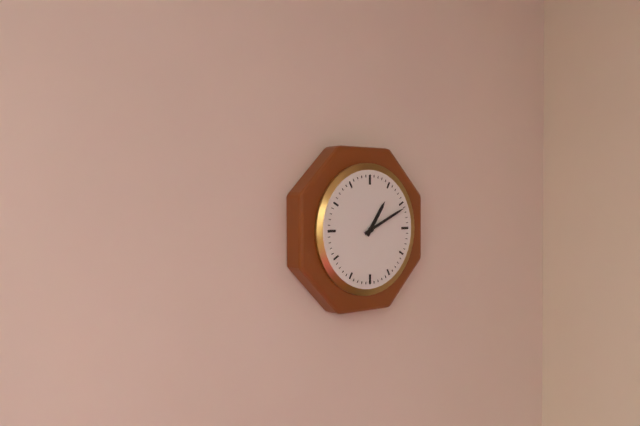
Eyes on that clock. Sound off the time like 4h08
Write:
1h11
